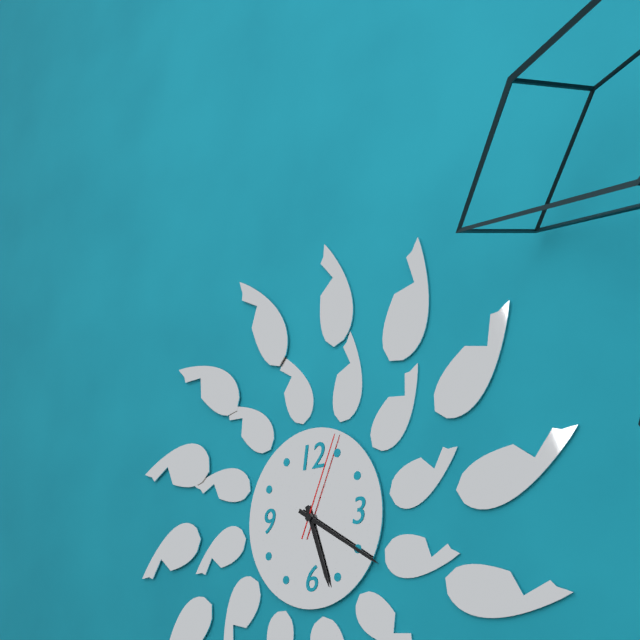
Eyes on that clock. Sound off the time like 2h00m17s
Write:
5h20m04s
